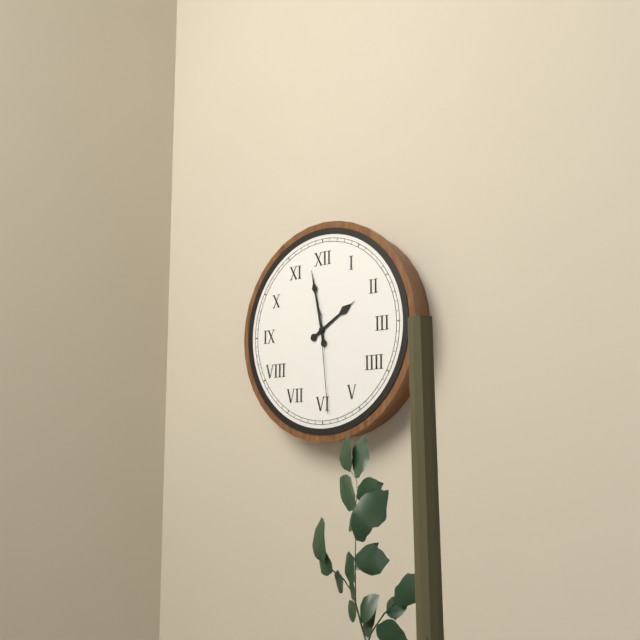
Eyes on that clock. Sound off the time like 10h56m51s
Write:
1h58m29s
